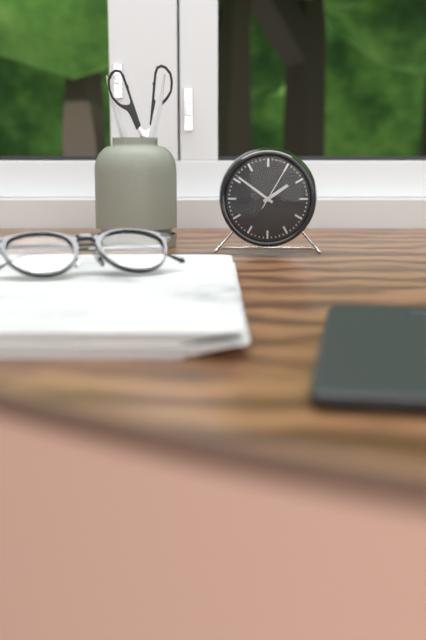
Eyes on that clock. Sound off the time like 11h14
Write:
1h51
